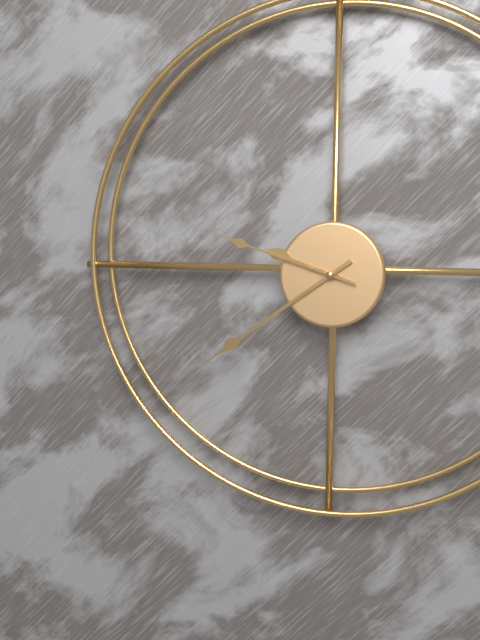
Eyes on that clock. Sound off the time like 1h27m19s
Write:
9h39m48s
